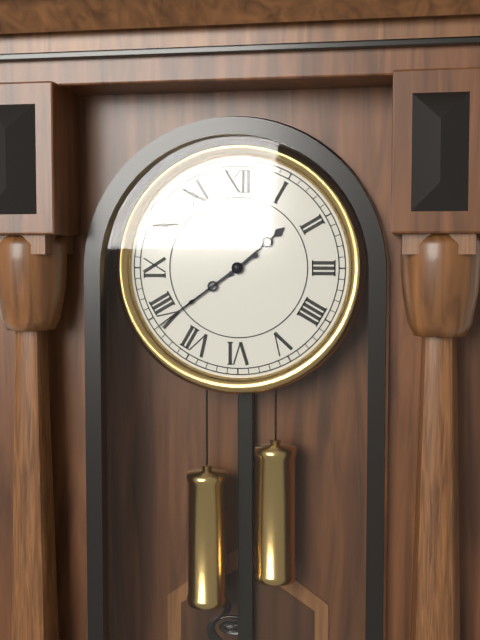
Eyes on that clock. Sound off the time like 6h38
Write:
1h39
